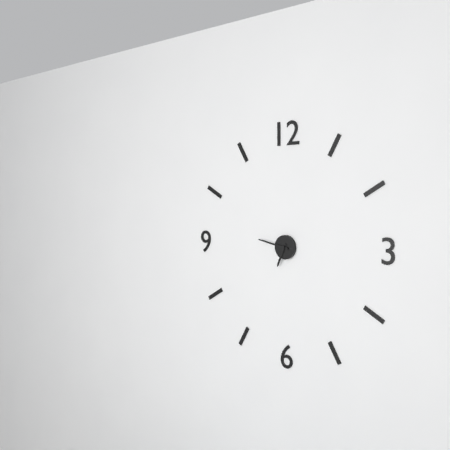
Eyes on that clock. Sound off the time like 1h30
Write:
6h47
